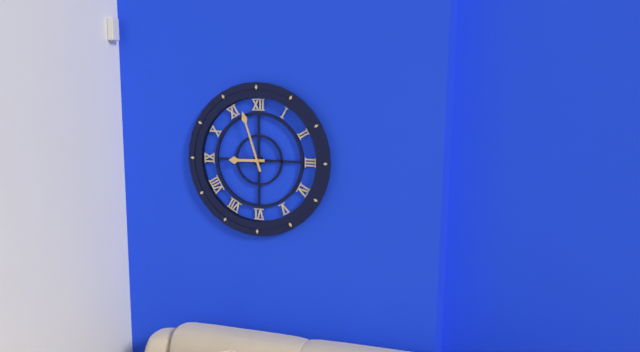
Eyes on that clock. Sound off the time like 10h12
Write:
8h57
